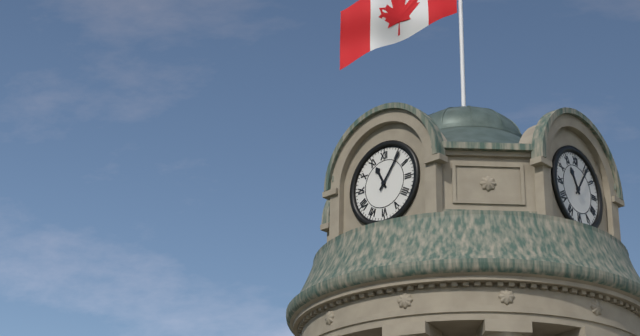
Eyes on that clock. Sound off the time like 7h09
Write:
11h06
